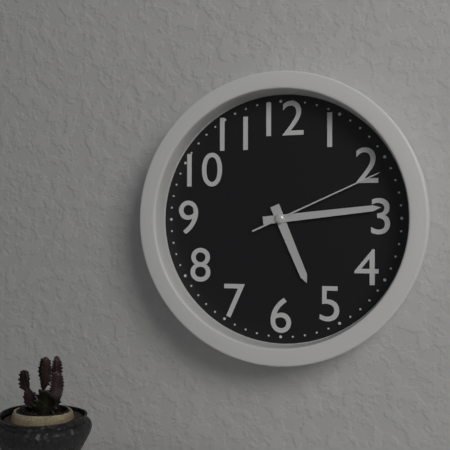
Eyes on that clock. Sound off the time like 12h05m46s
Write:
5h14m11s
